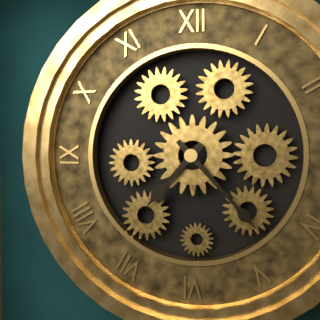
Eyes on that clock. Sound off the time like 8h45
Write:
7h23
